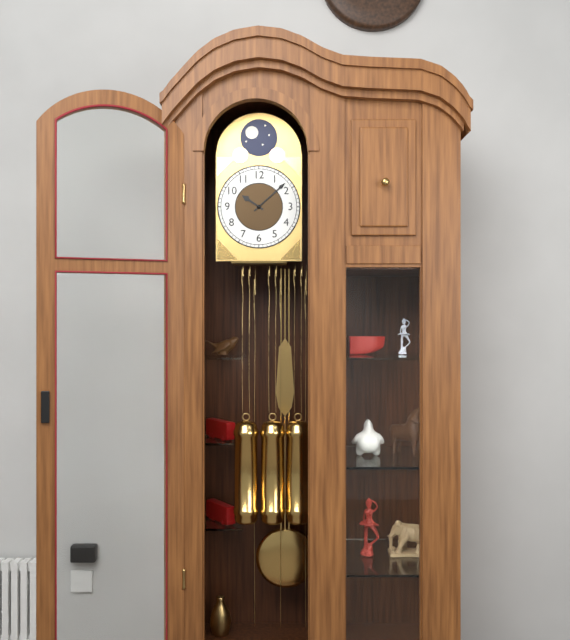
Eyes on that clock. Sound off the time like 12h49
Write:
10h08
